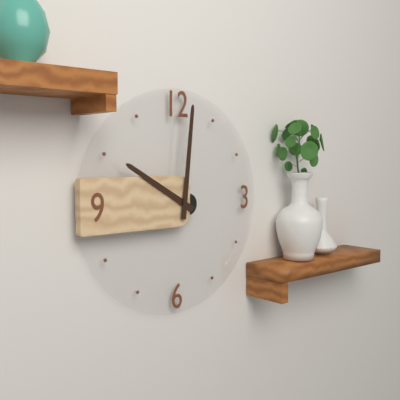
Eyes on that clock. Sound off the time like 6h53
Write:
10h01
